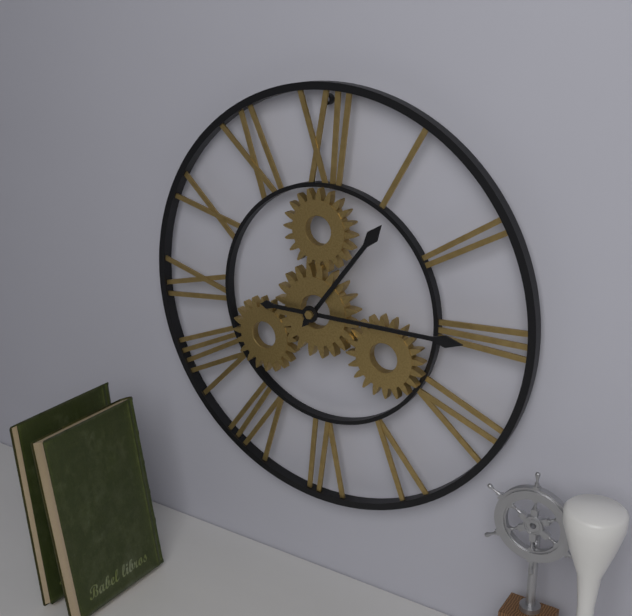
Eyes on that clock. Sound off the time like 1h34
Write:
1h15
